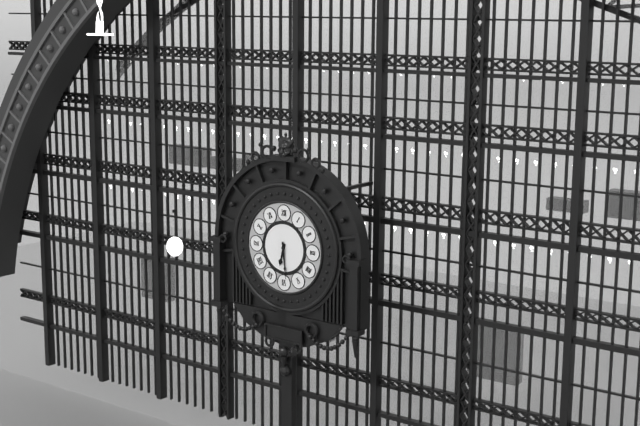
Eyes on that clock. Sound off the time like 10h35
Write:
6h29
